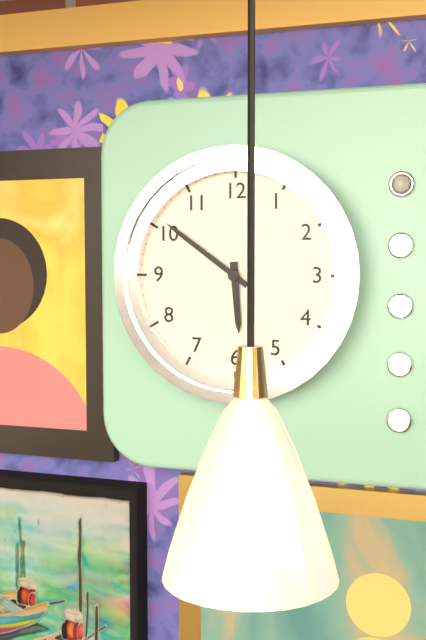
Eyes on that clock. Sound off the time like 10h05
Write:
5h51
